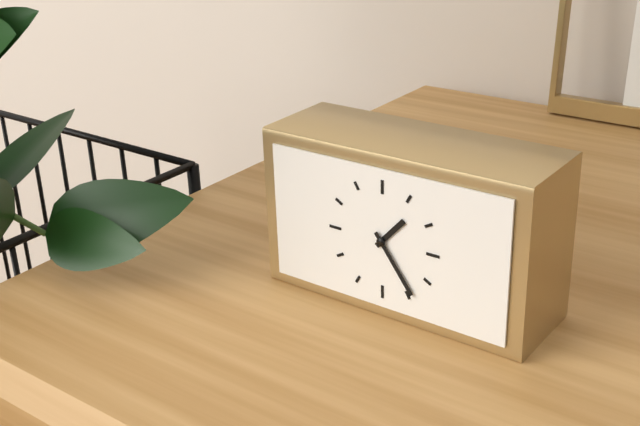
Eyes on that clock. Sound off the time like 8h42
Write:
1h24
